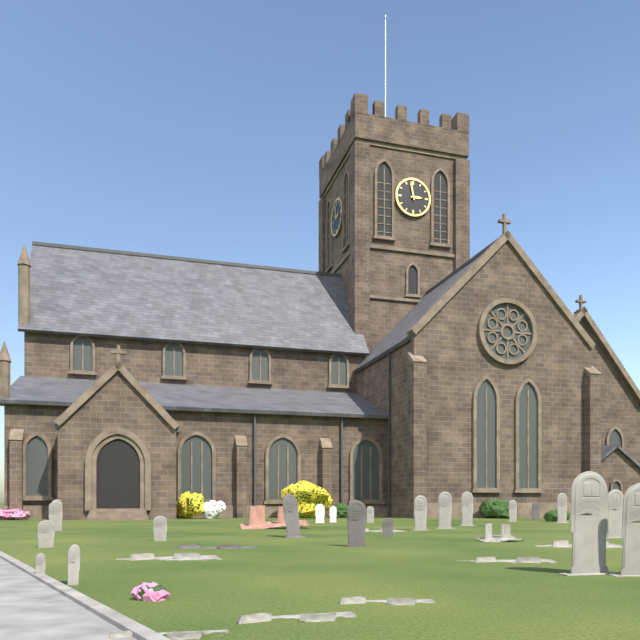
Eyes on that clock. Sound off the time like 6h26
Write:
2h58
